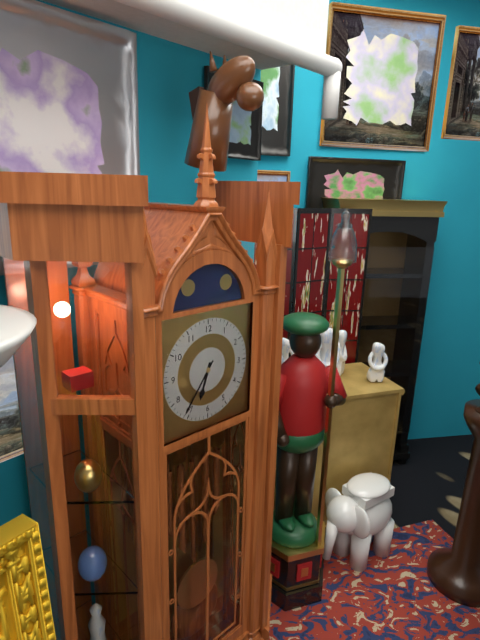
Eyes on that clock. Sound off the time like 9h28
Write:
6h36
